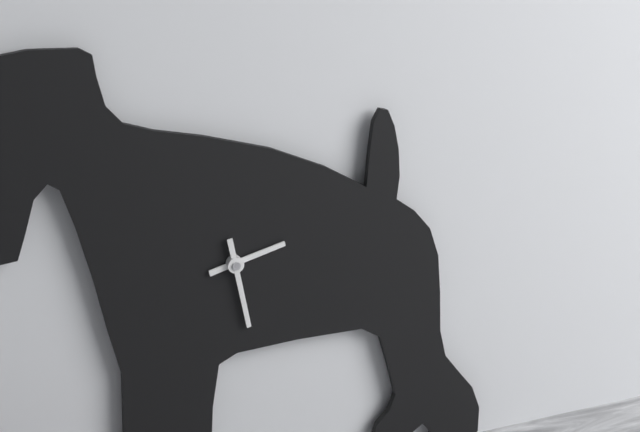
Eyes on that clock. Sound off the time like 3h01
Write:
2h28
